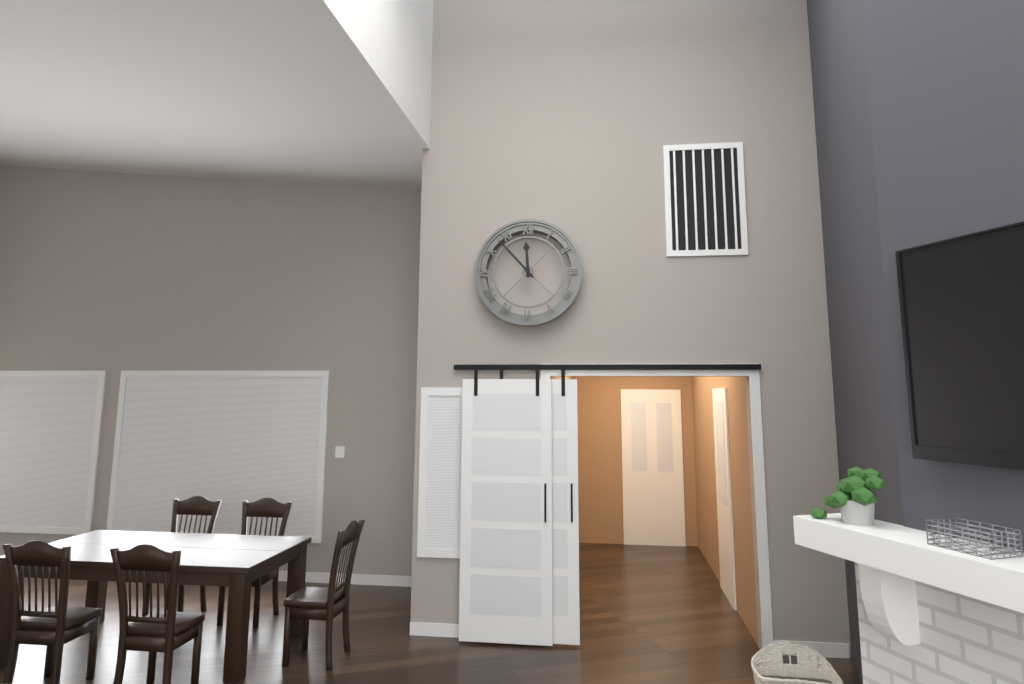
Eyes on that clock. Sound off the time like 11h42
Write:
11h53
